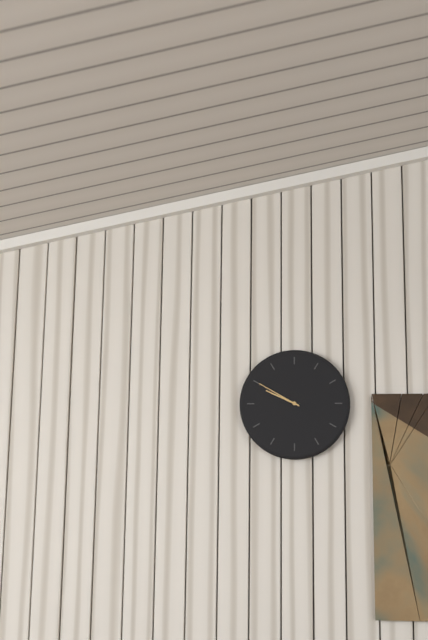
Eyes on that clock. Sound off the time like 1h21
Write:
9h50
